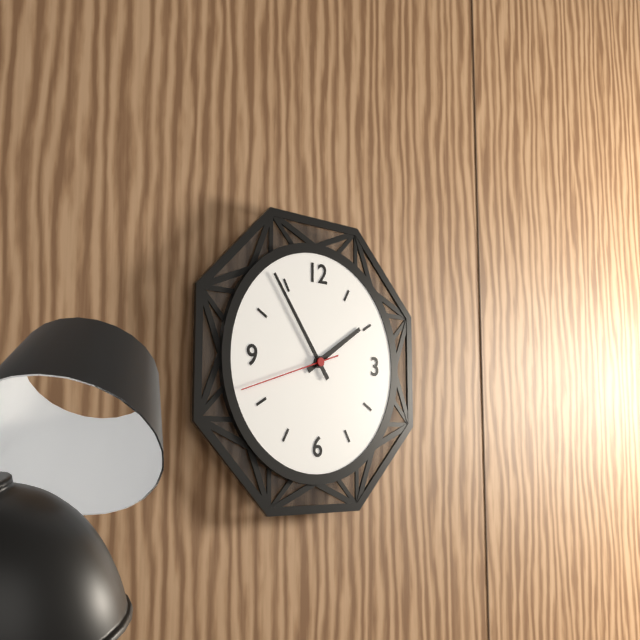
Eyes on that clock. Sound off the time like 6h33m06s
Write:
1h54m42s
